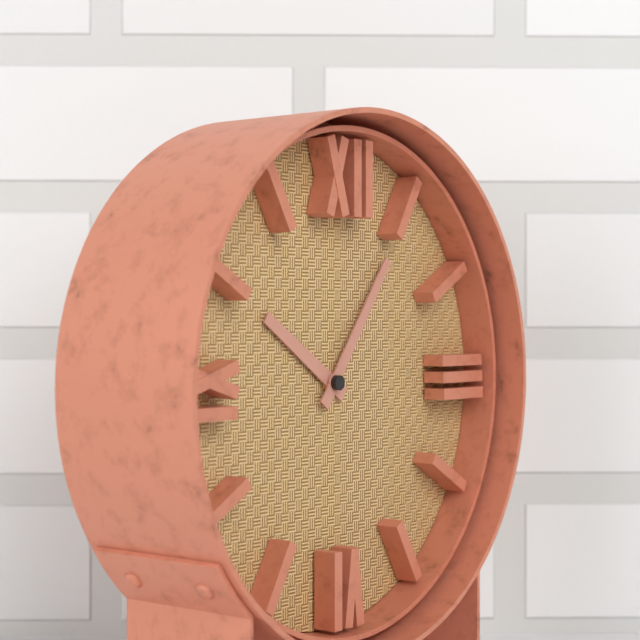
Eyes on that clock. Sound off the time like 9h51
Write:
10h06
